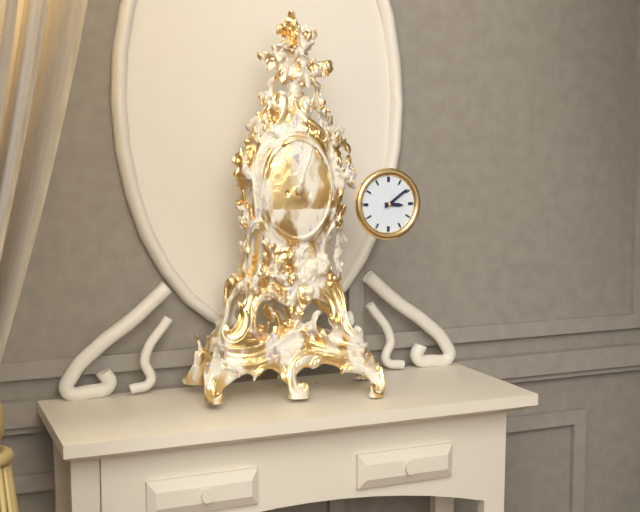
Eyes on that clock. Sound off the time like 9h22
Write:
3h09
